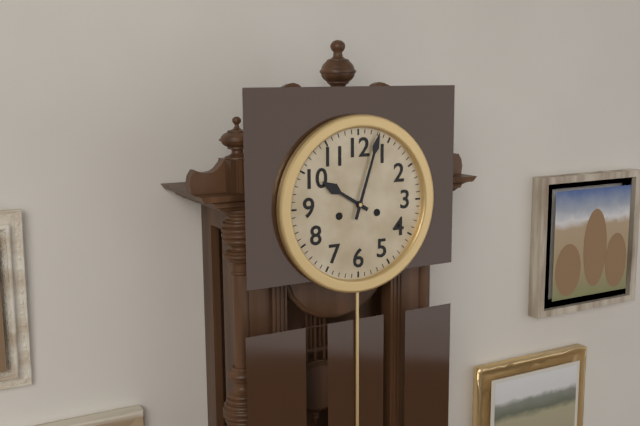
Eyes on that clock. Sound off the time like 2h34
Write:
10h03
